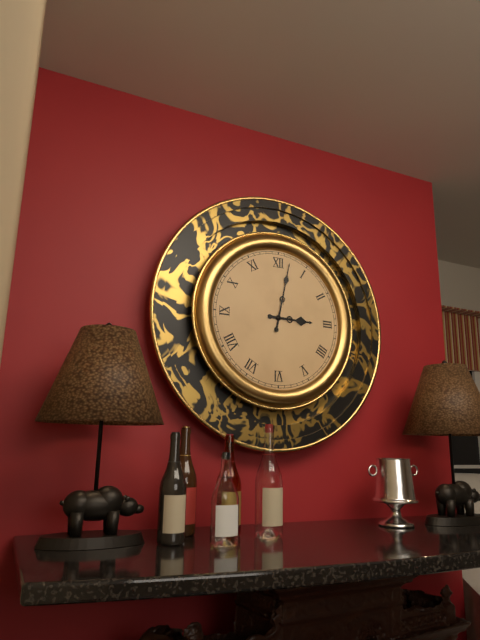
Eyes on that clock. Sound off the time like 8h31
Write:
3h02
